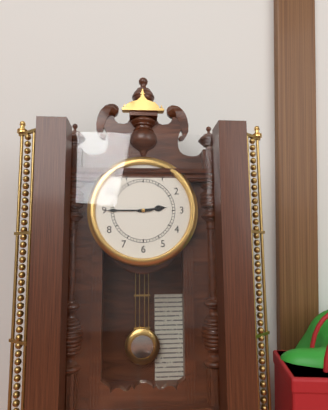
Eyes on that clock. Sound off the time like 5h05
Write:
2h45
